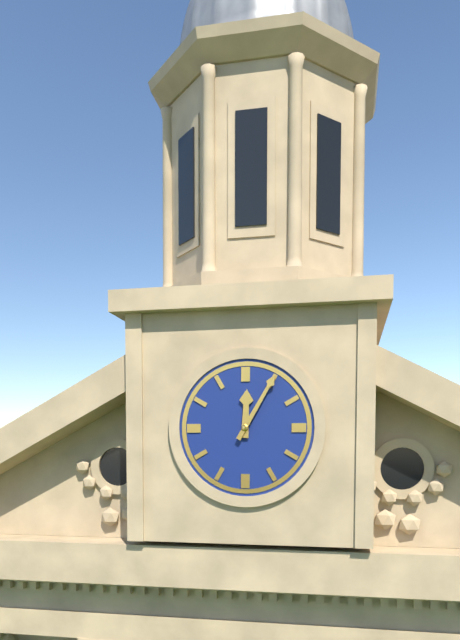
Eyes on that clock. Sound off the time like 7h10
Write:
12h05
